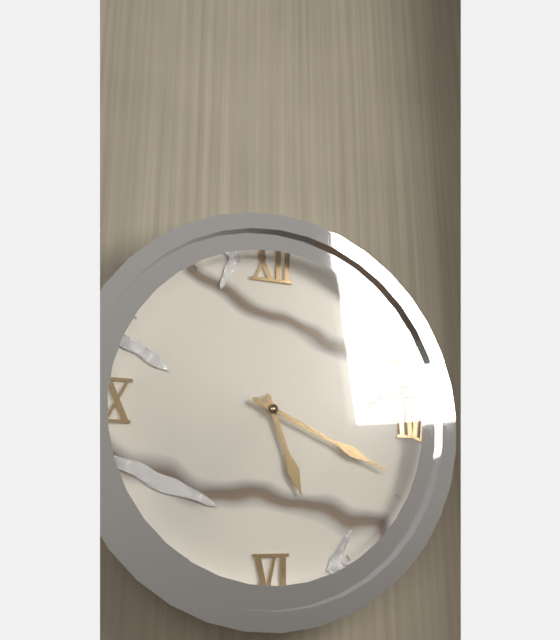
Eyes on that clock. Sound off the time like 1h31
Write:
5h19
